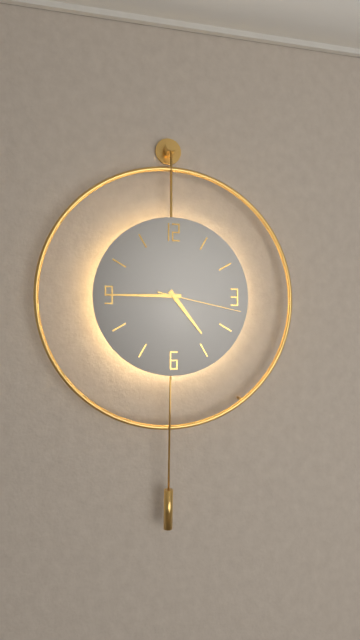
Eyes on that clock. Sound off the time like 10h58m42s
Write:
4h45m17s
